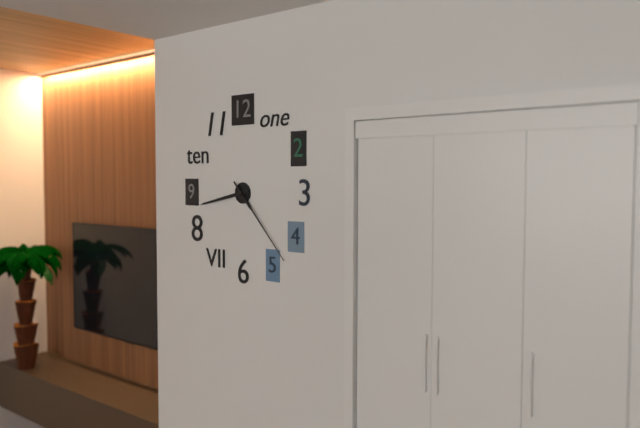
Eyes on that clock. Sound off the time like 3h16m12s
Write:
4h43m23s
